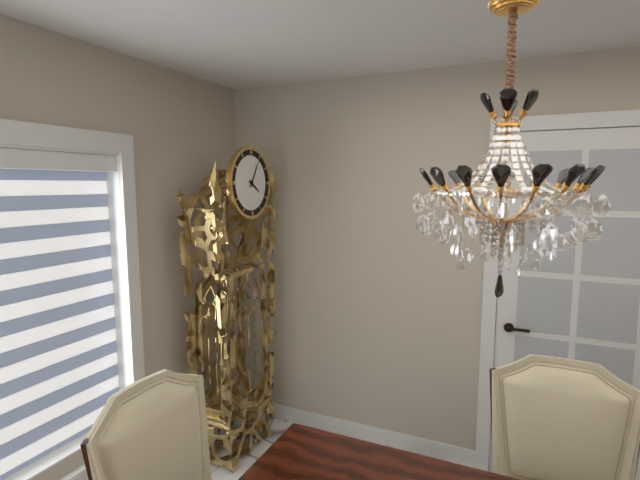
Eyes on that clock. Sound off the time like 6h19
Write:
4h05
